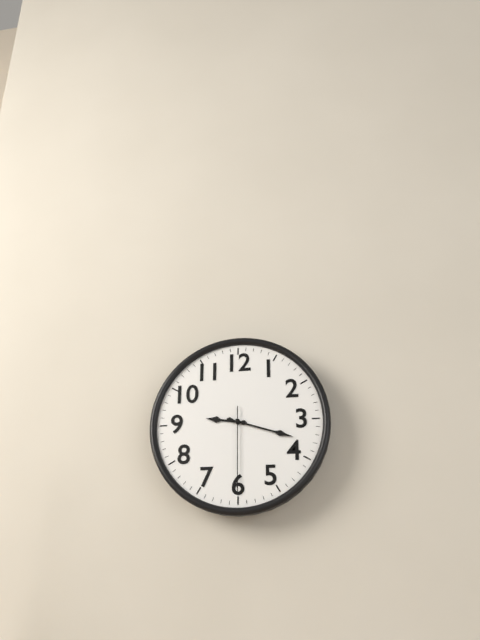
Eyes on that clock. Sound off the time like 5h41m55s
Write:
9h18m30s
